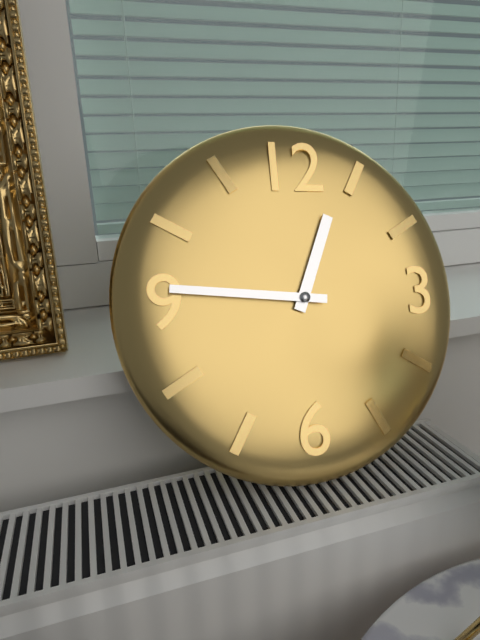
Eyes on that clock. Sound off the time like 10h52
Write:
12h46
